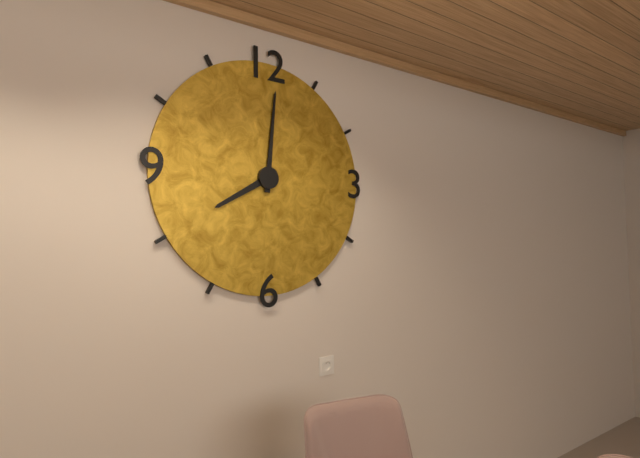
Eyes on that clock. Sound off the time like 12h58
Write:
8h01
